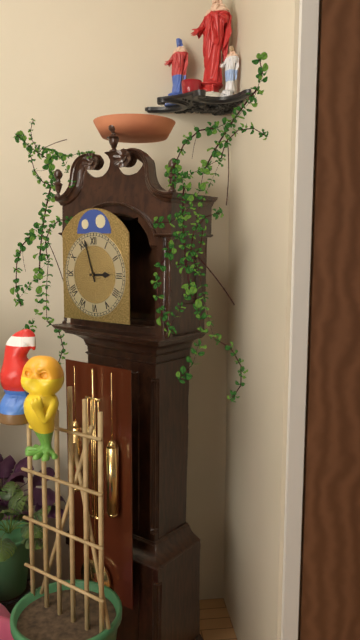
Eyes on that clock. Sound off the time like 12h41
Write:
2h57
